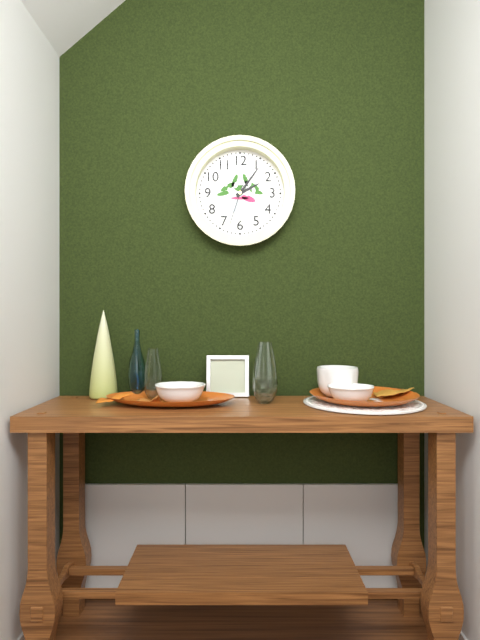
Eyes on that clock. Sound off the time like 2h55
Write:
2h06
